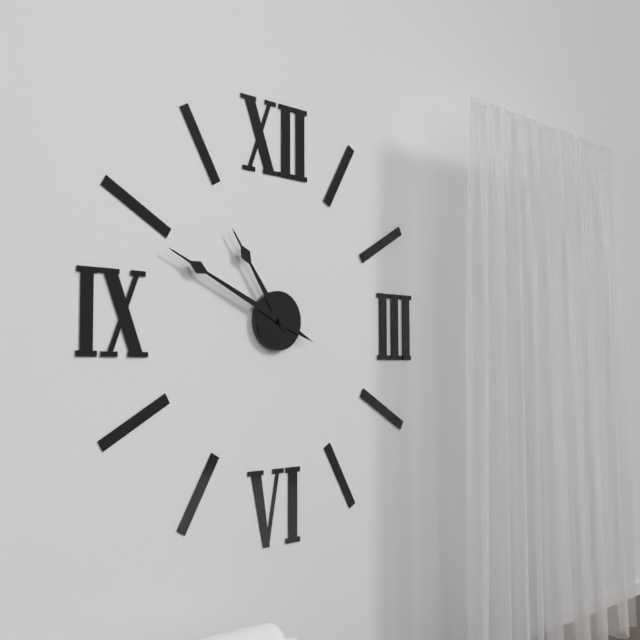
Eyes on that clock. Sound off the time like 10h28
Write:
10h49
